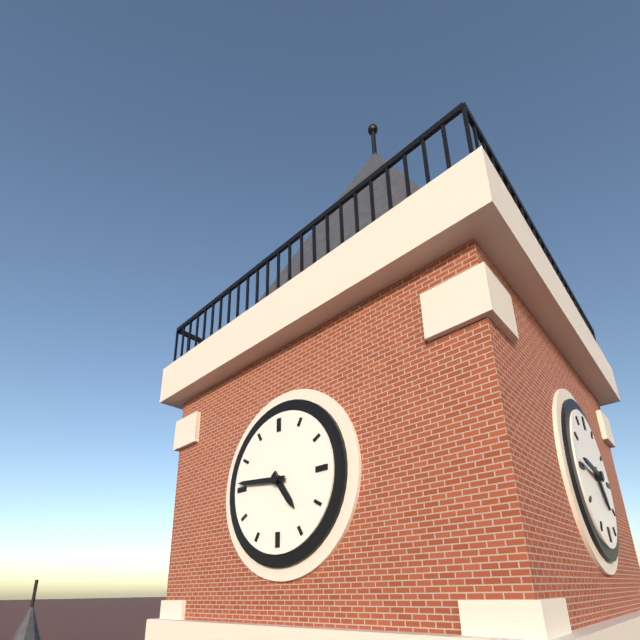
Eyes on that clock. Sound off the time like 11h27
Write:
4h46
